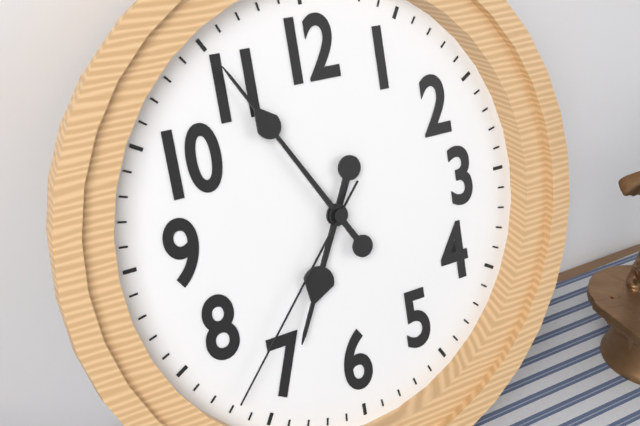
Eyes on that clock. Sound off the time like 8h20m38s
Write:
6h55m37s
